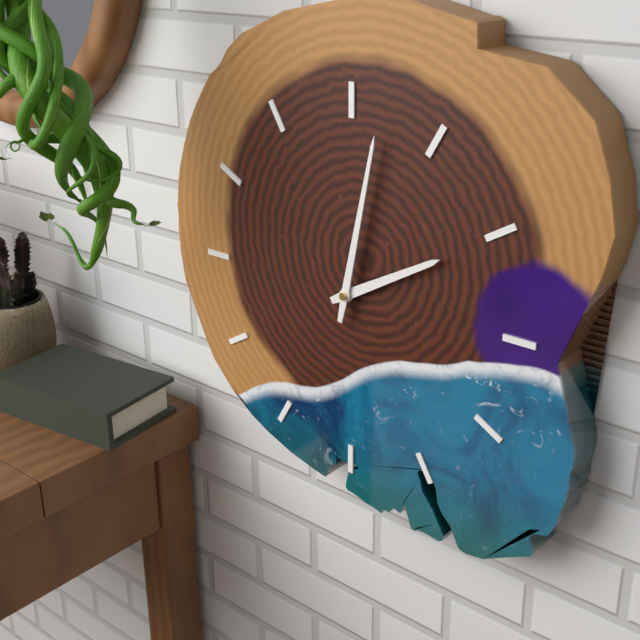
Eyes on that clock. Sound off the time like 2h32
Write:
2h02
